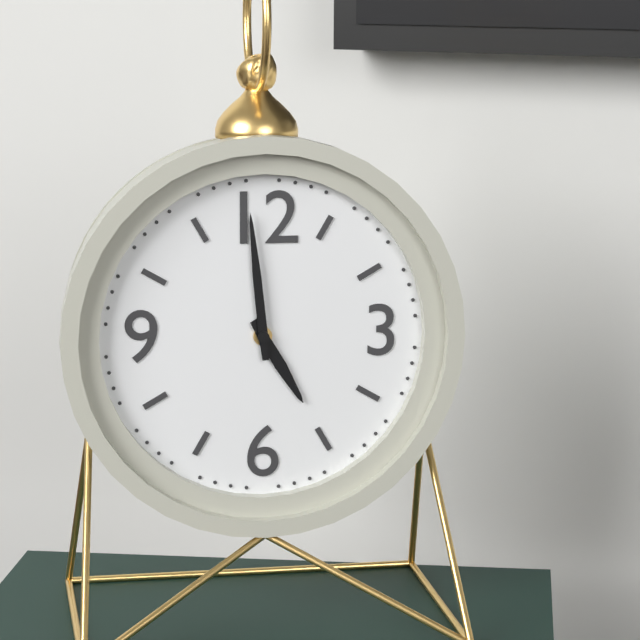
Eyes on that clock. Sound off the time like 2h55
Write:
4h59
